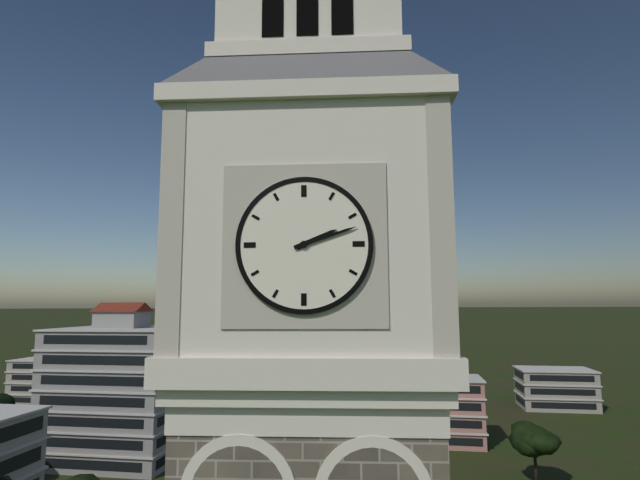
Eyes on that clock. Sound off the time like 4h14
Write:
2h12
